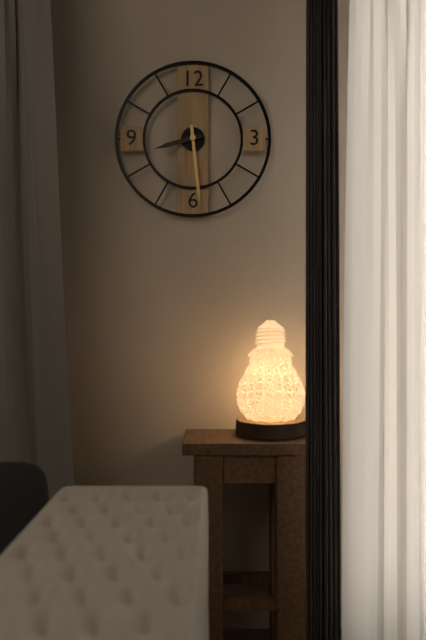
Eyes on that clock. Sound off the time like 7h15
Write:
8h29
